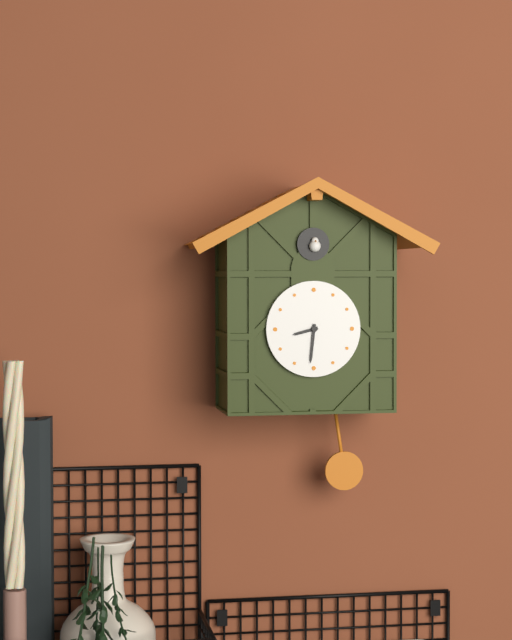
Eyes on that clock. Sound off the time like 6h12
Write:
8h31
